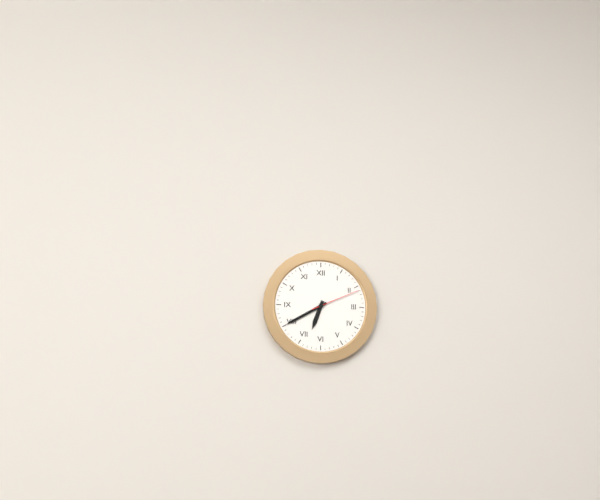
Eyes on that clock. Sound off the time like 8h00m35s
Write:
6h40m11s
